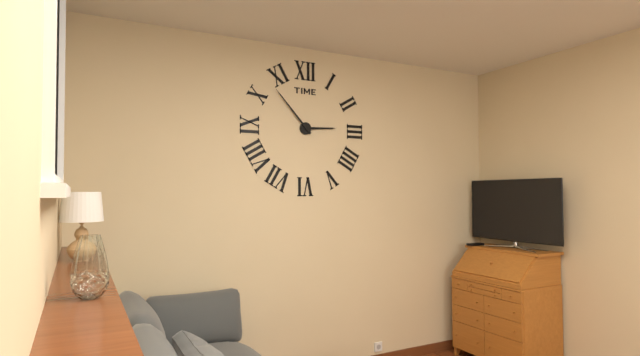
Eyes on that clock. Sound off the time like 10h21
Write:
2h53
